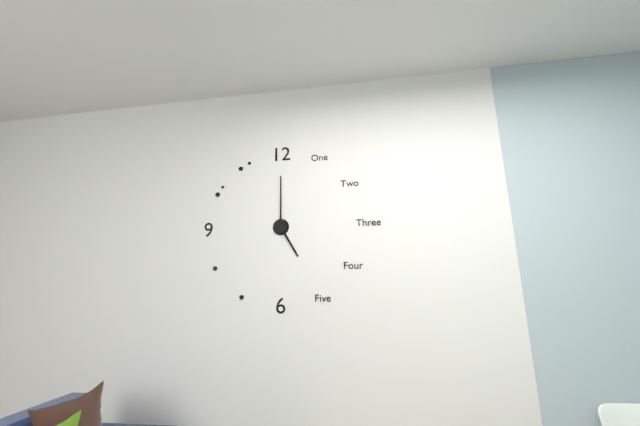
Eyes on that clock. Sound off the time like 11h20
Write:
5h00
